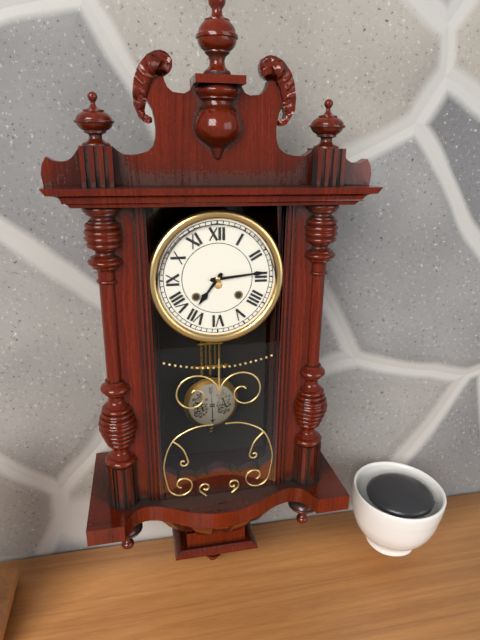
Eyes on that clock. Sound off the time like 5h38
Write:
7h14
